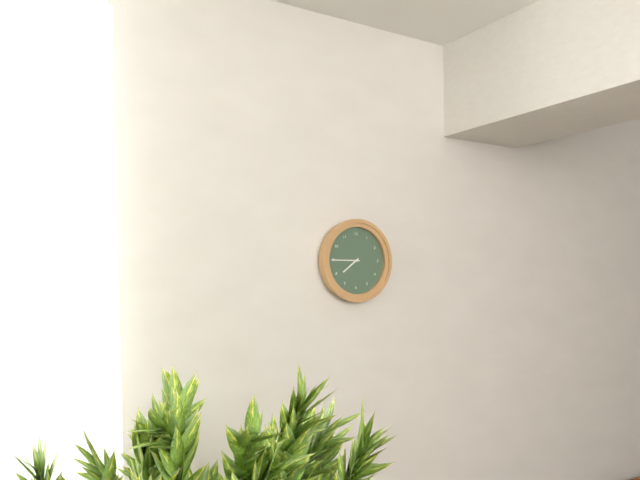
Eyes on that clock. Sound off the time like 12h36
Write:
7h45
